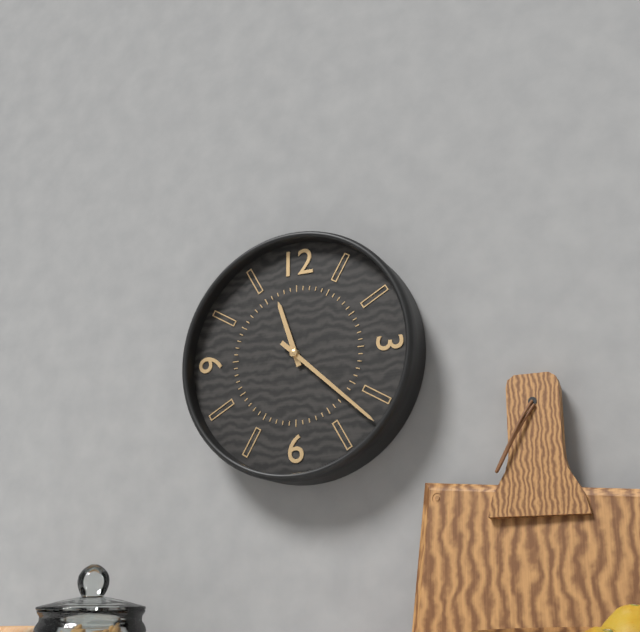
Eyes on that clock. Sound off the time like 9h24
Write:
11h22
